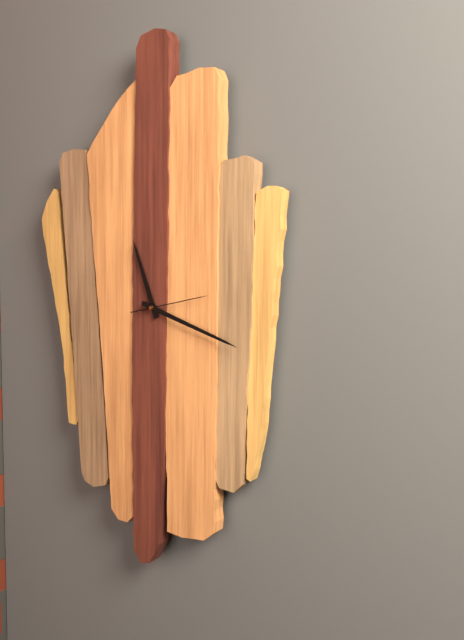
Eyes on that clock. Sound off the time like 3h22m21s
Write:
11h18m13s
